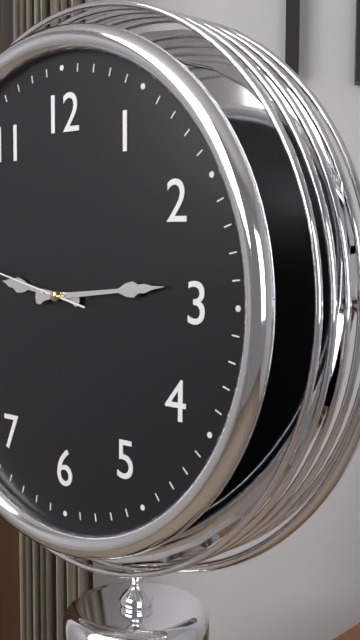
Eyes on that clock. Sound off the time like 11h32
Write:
9h14
